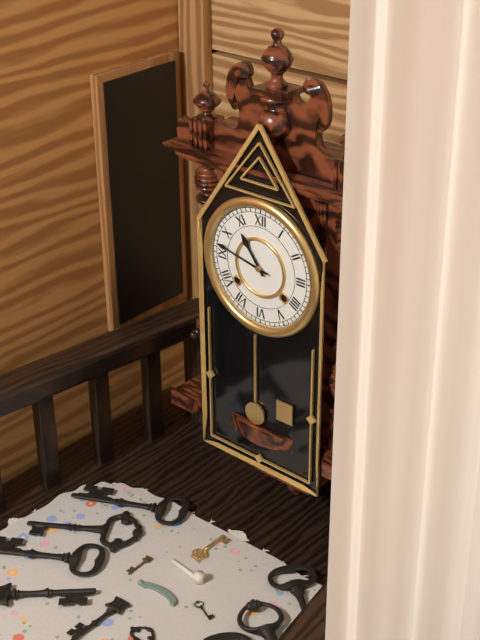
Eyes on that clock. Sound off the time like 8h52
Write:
10h47
